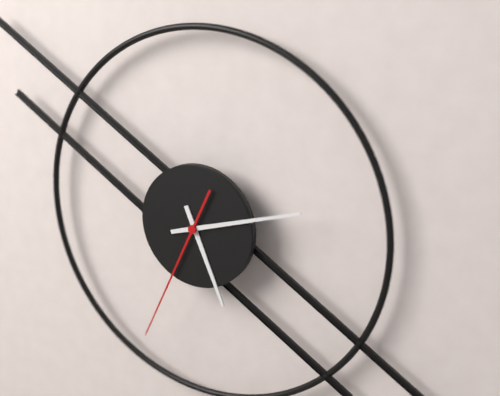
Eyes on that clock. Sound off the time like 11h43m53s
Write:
5h12m34s
